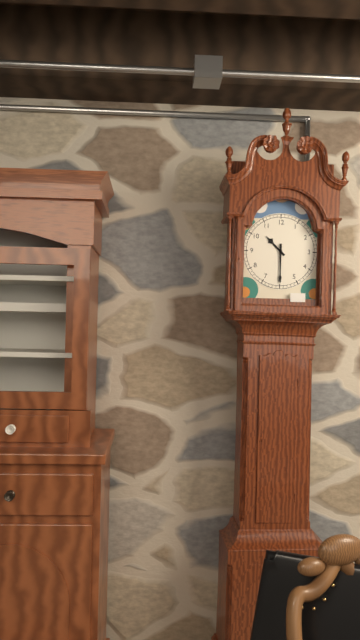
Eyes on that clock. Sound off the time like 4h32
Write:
10h30
